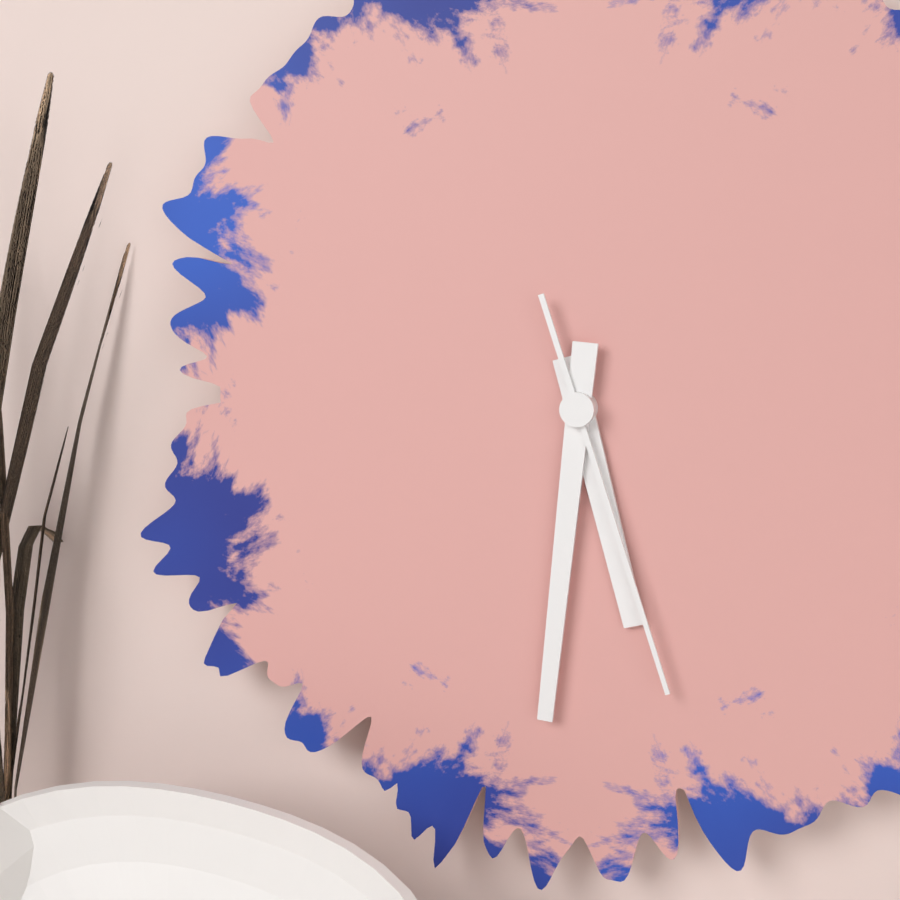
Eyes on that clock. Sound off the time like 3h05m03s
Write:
5h31m27s
